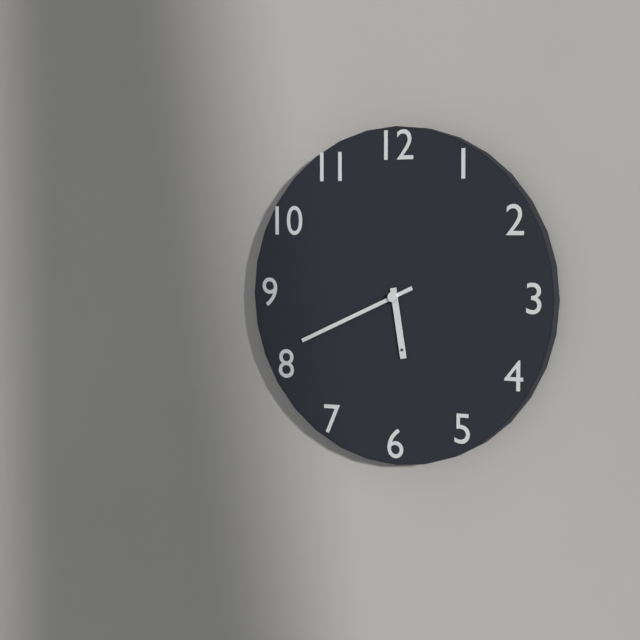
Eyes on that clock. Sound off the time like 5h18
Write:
5h41
